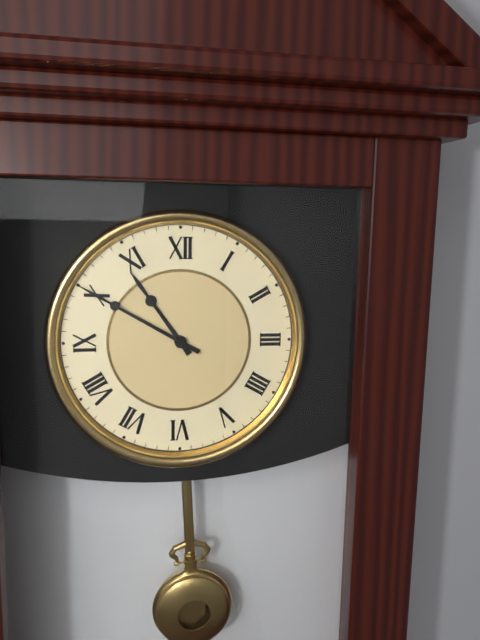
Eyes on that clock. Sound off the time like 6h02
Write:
10h50
